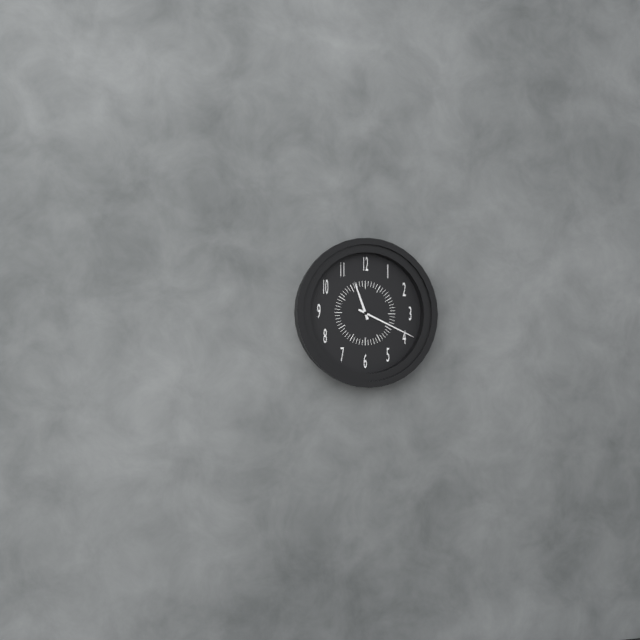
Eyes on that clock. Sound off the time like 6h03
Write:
11h19
